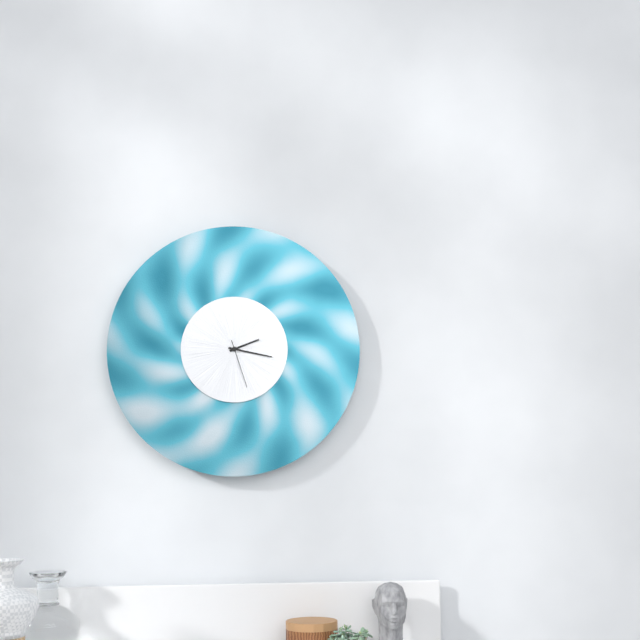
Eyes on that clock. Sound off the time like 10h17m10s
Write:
2h17m27s
